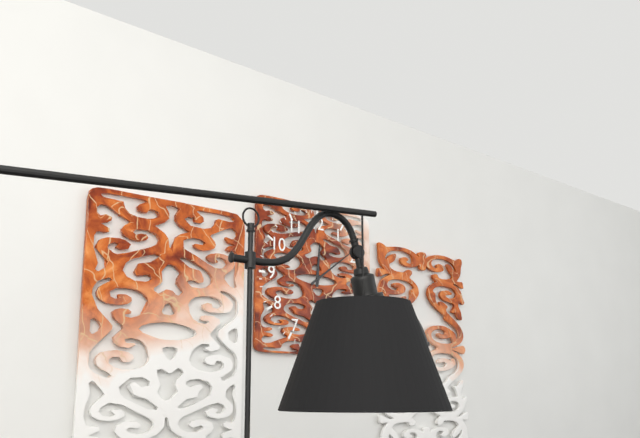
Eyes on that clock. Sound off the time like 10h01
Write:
12h09
